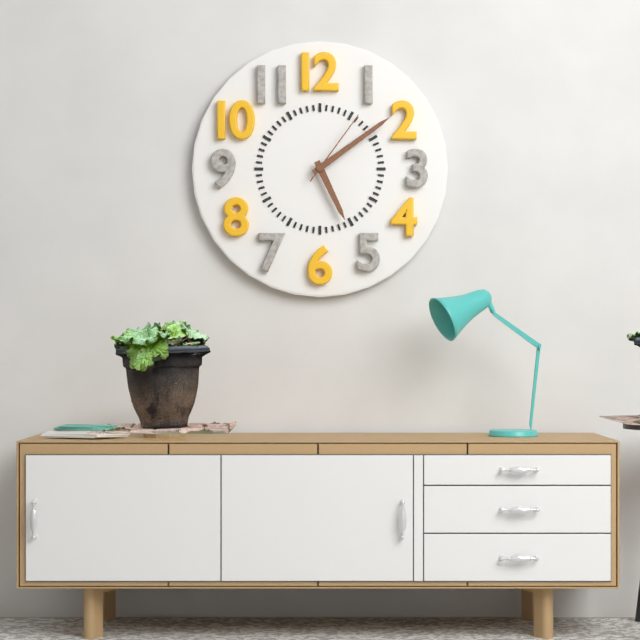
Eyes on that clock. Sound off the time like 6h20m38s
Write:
5h09m06s
